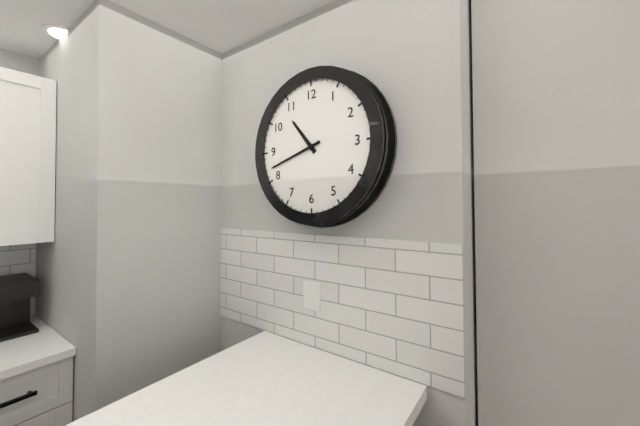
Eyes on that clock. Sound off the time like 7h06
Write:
10h42
